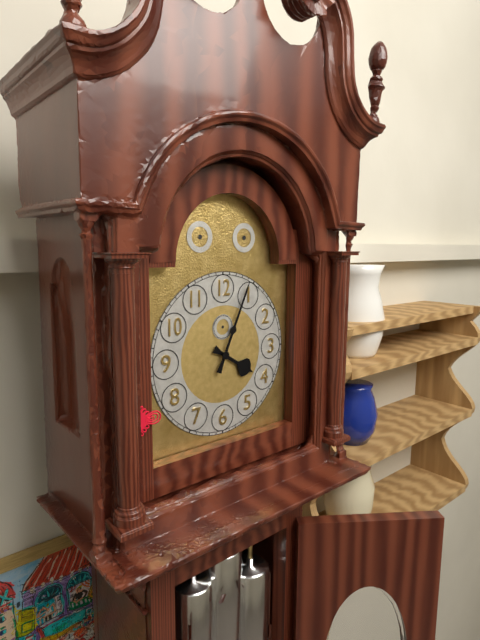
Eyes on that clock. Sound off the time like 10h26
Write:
4h04
